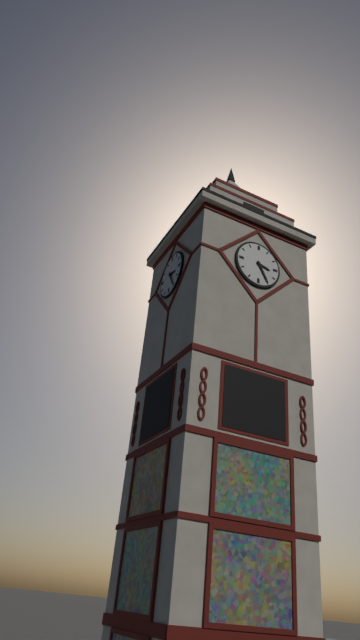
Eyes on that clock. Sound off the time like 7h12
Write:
3h25
